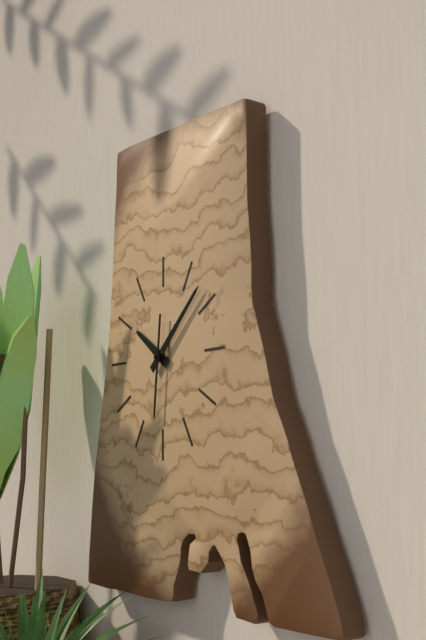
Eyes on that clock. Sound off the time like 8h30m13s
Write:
10h08m31s
